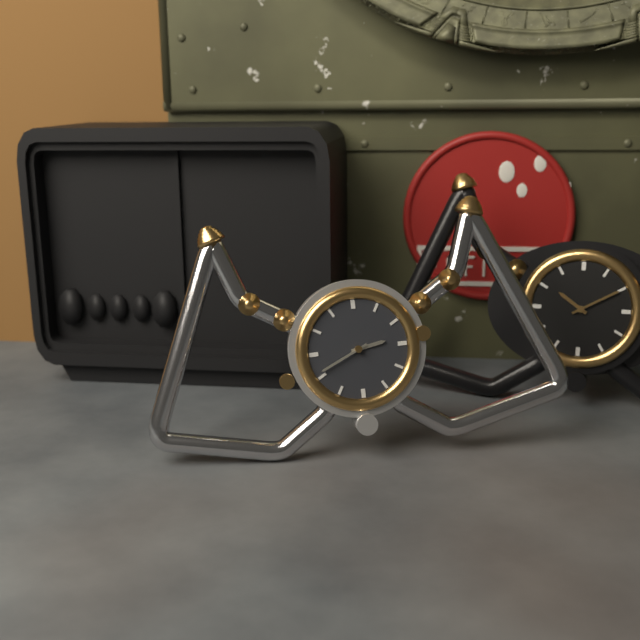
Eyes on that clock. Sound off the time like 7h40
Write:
2h41
